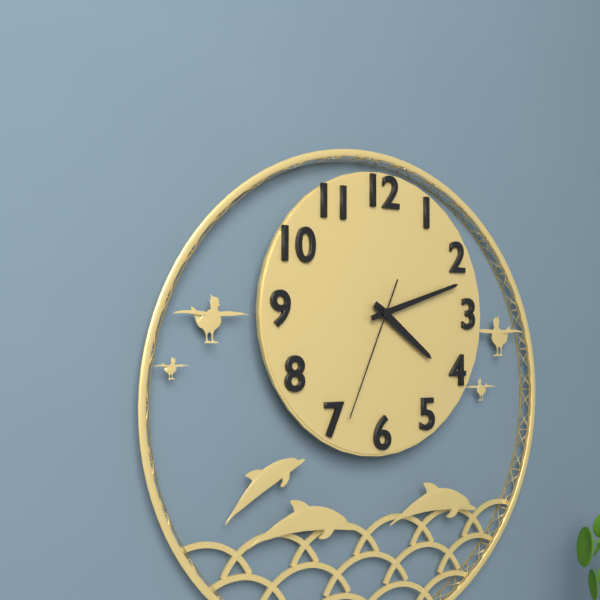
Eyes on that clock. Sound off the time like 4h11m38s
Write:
4h12m34s
